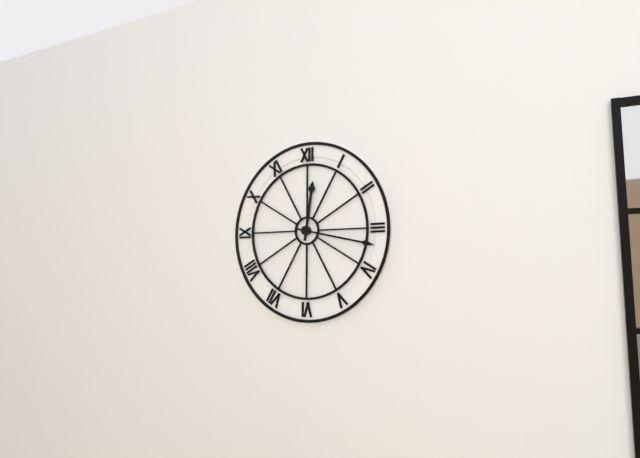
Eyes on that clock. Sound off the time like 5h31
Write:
12h17
